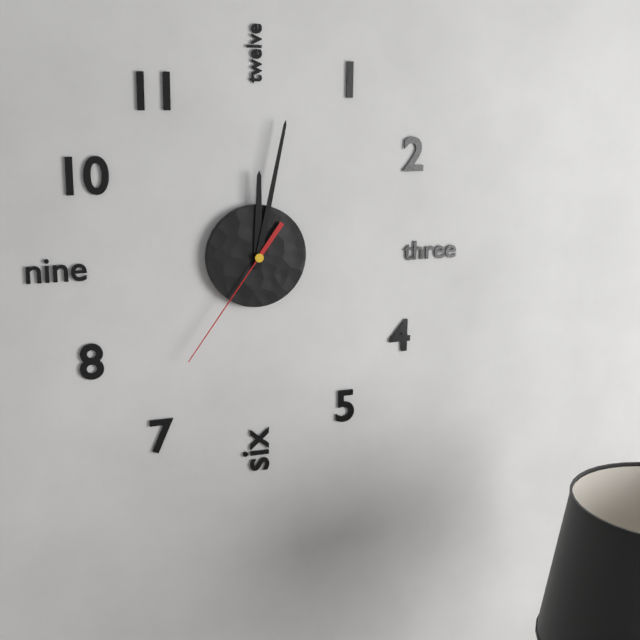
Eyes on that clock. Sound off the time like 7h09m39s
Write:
12h02m36s
